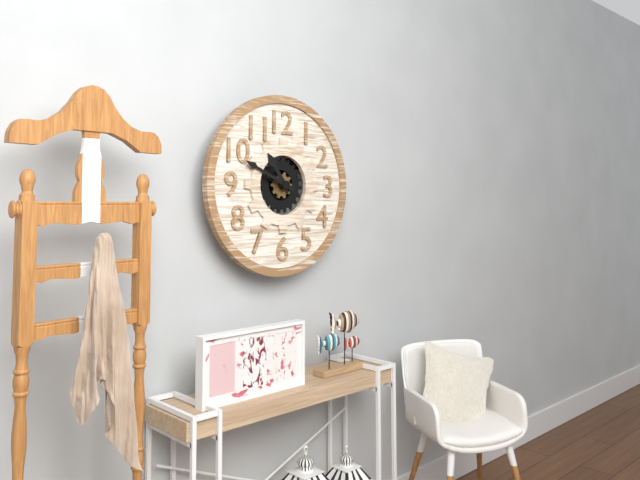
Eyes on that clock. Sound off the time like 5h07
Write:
10h49
